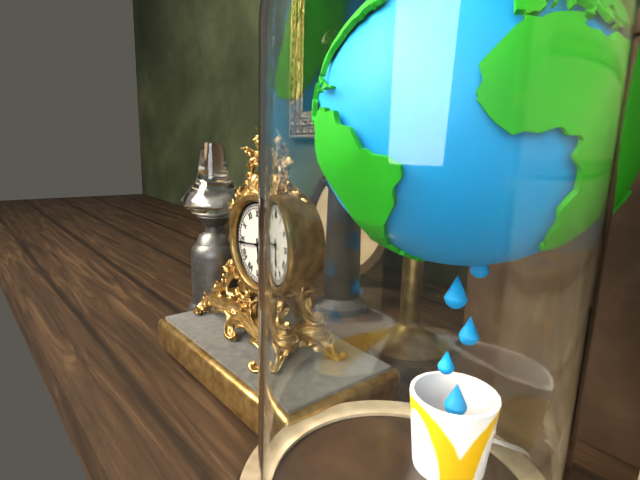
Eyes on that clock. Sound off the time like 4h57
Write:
5h44
